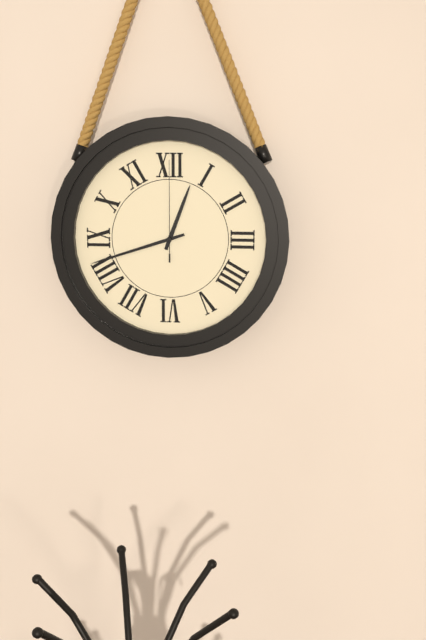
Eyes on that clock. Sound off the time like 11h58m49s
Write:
12h42m00s
